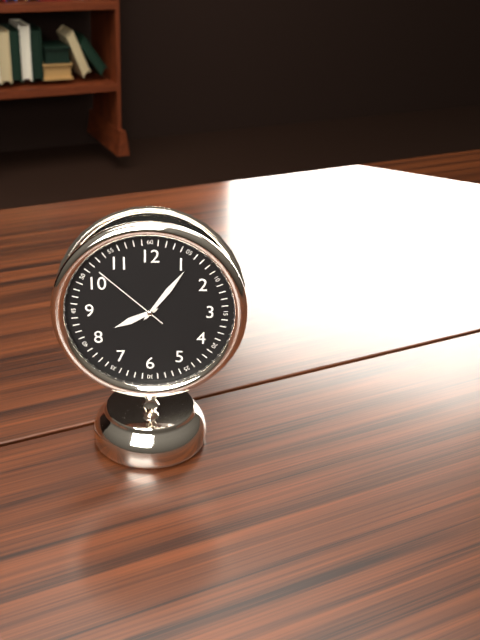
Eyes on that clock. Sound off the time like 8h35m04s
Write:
8h06m52s
